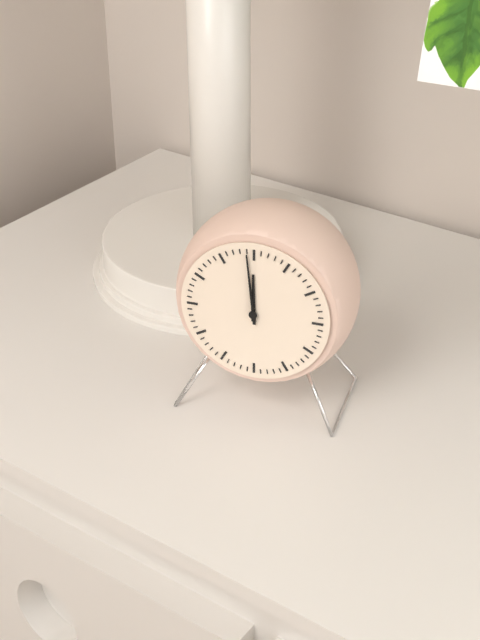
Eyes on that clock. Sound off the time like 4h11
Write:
11h59
